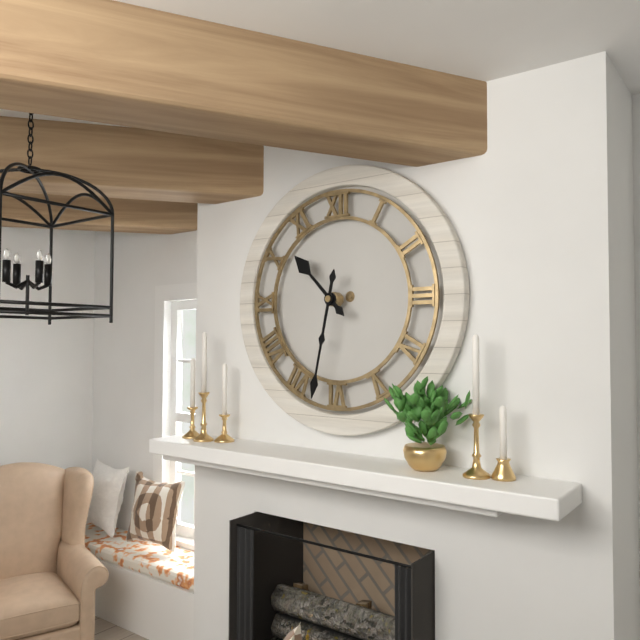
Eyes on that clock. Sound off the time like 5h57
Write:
10h32
